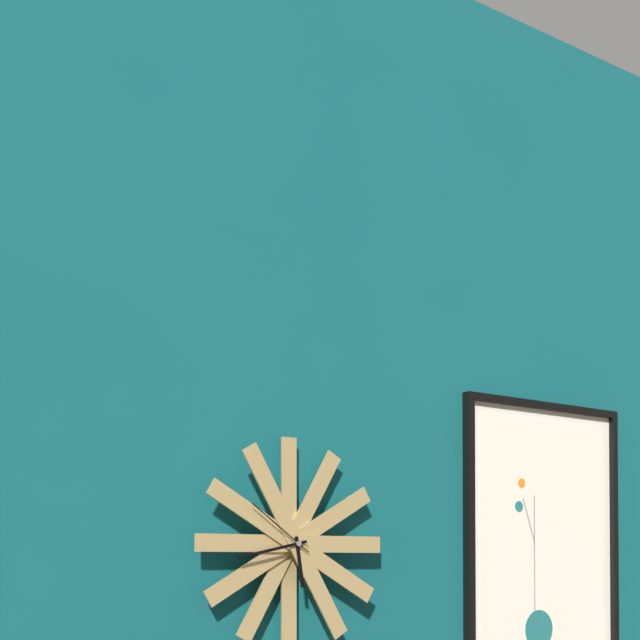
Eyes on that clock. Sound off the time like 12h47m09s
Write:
5h43m51s
